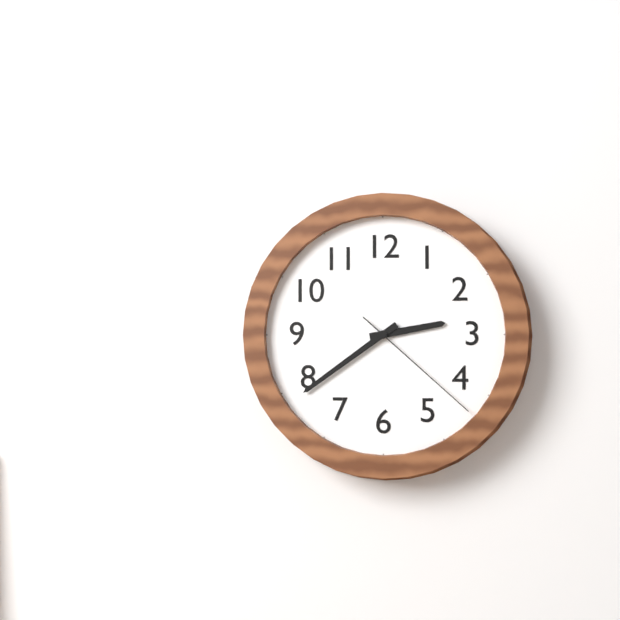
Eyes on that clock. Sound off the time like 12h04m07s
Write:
2h39m22s
